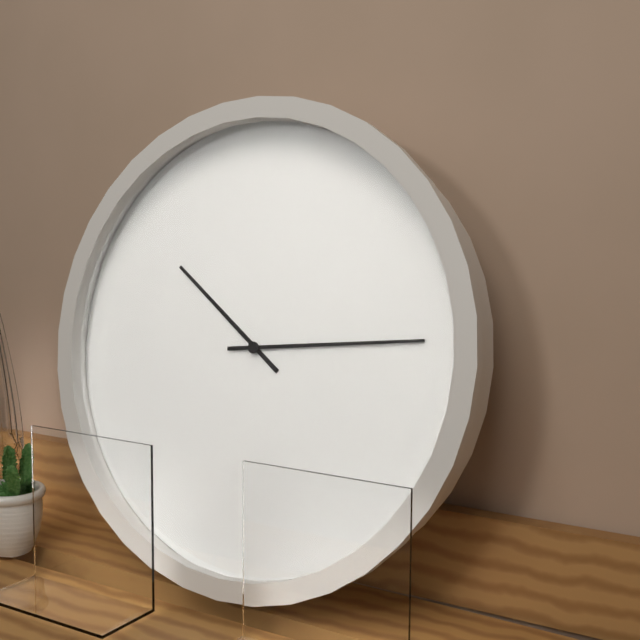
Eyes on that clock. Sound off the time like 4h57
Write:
10h14
